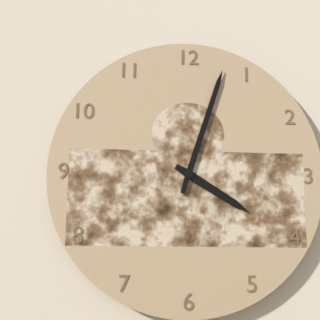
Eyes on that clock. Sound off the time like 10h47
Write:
4h03
